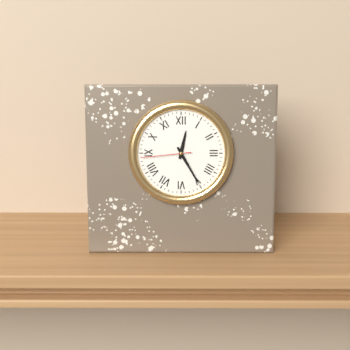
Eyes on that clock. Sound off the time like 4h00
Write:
12h25
